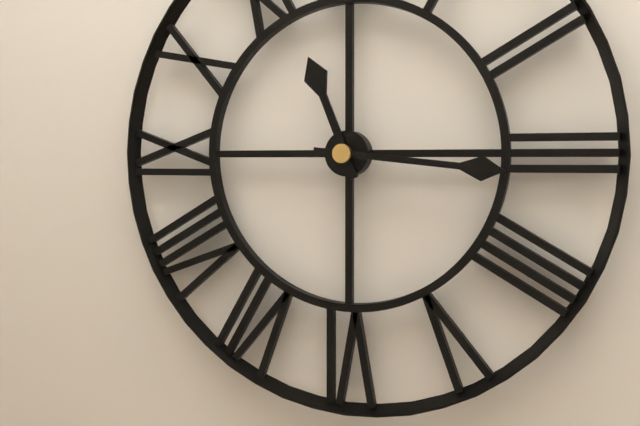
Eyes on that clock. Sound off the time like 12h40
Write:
11h16
